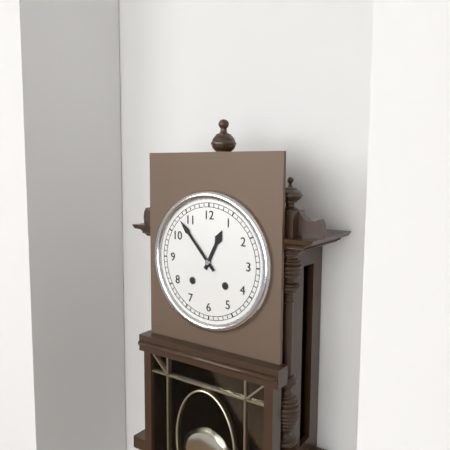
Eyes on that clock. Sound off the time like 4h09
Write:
12h53
